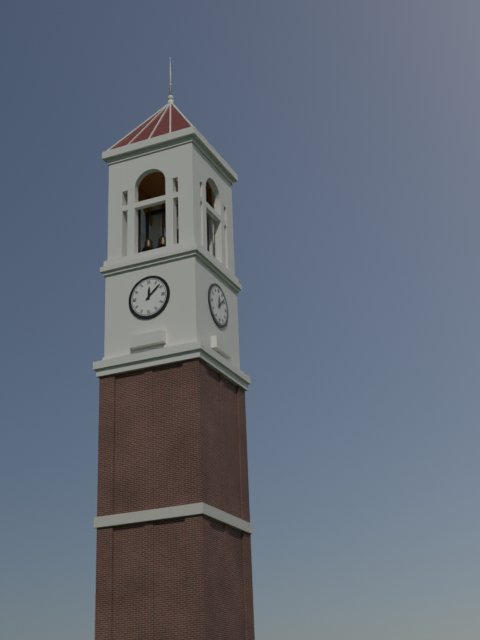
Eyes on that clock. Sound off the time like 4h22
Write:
12h08
